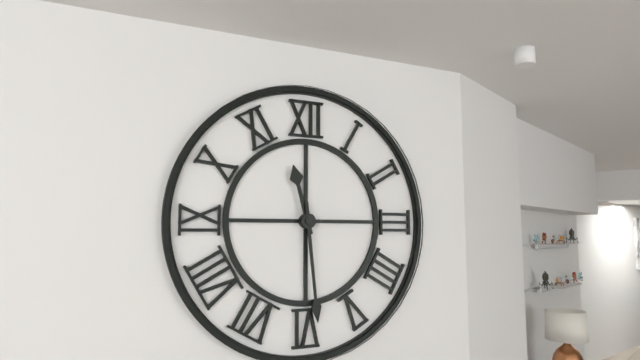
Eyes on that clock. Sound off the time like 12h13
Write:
11h29
